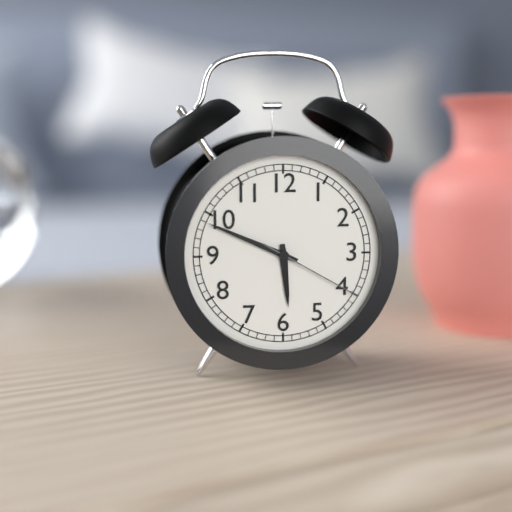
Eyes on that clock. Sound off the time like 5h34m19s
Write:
5h49m20s
